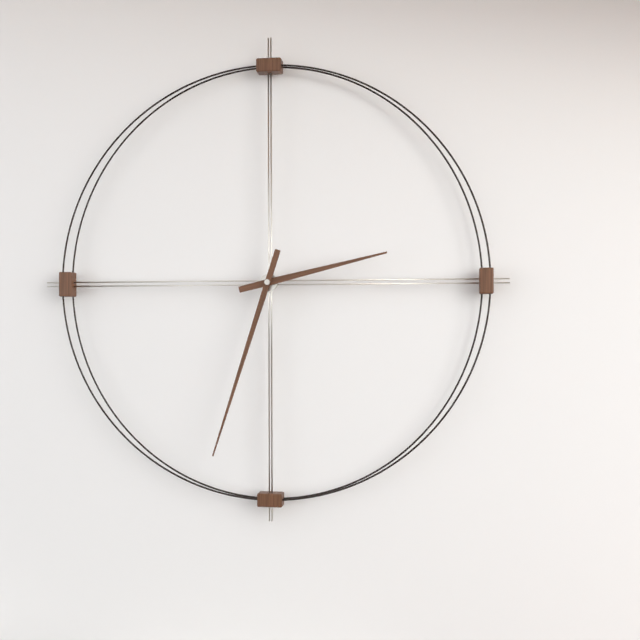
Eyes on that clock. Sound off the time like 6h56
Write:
2h33
